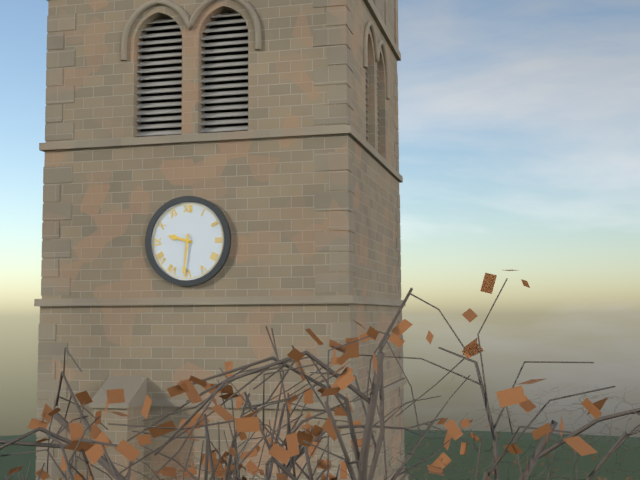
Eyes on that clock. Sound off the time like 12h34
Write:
9h31
